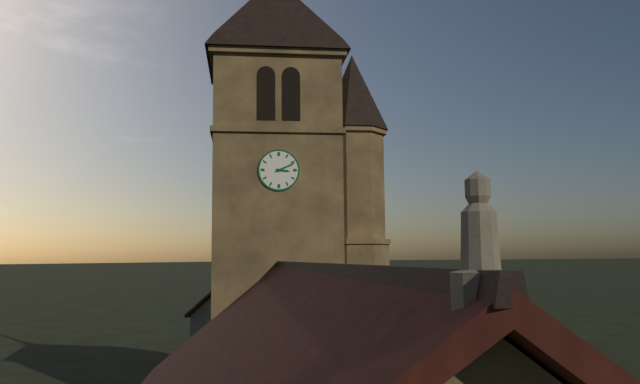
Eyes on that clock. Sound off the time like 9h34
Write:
3h11
